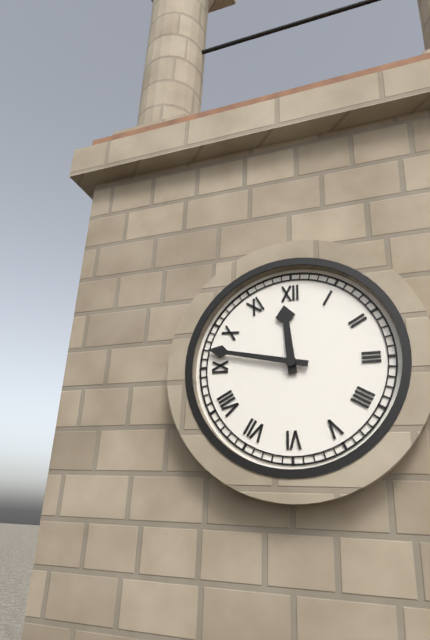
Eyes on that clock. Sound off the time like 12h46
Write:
11h47
